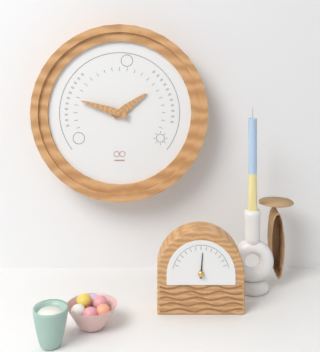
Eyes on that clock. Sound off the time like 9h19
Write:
1h48
